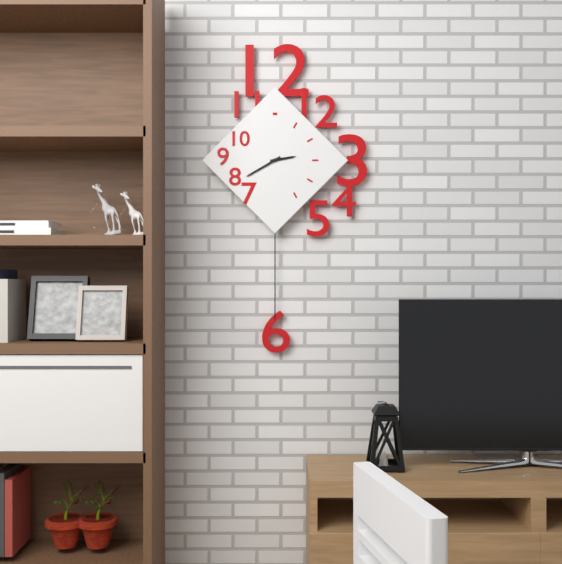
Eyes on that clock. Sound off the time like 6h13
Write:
2h40
